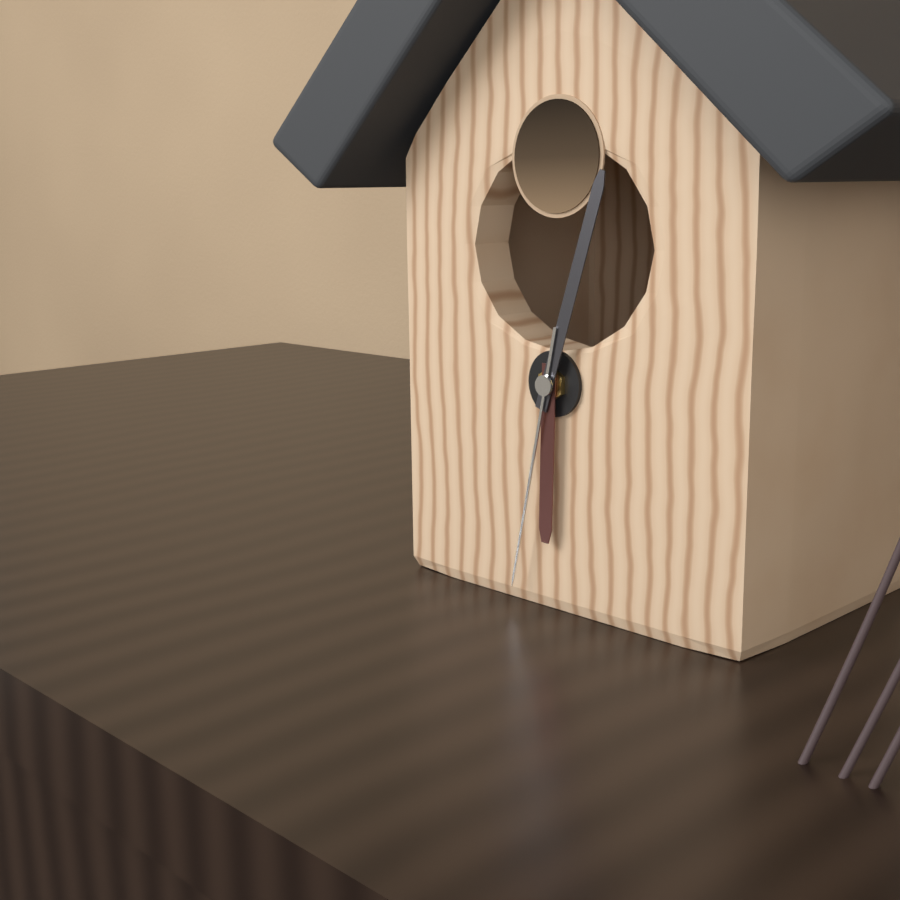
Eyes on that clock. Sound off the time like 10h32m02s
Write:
6h03m32s
